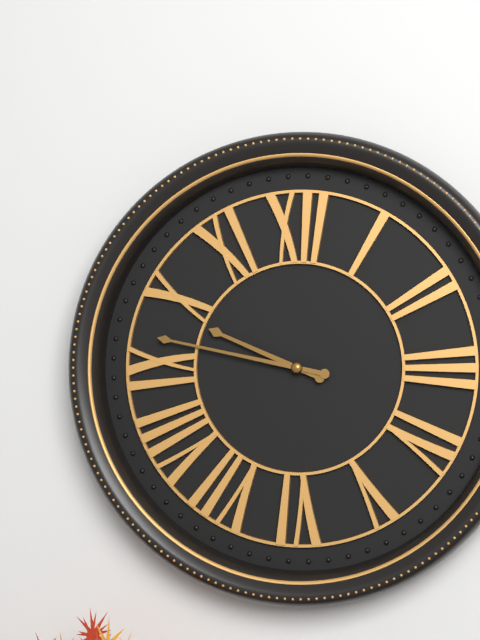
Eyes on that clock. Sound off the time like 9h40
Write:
9h47
